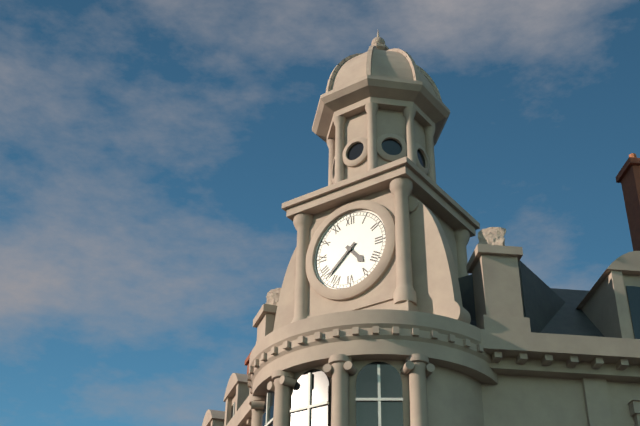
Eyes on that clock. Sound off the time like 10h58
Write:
4h38
